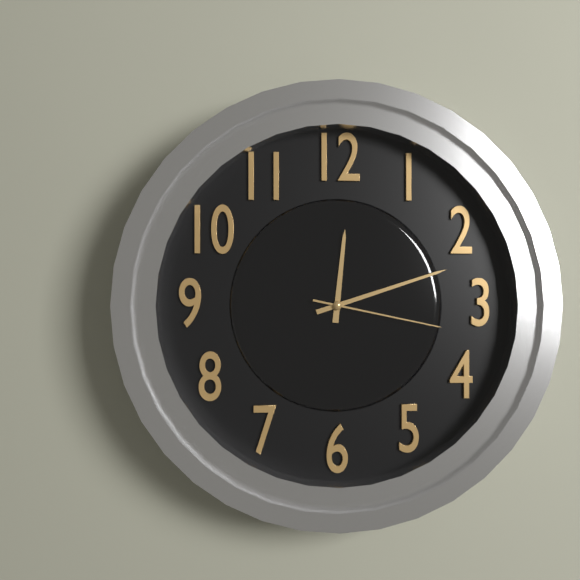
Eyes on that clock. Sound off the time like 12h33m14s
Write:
12h12m17s
